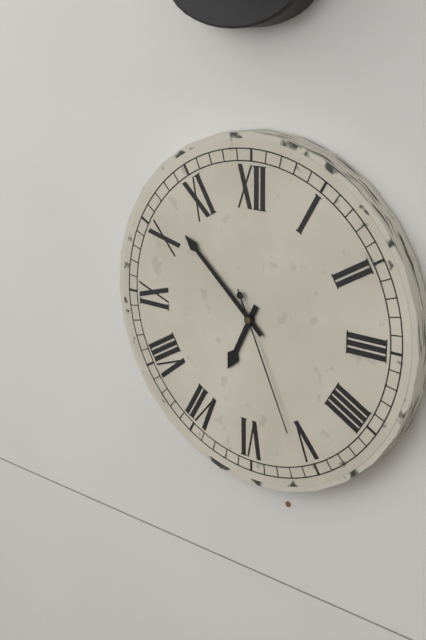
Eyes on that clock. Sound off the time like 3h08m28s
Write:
6h52m26s
